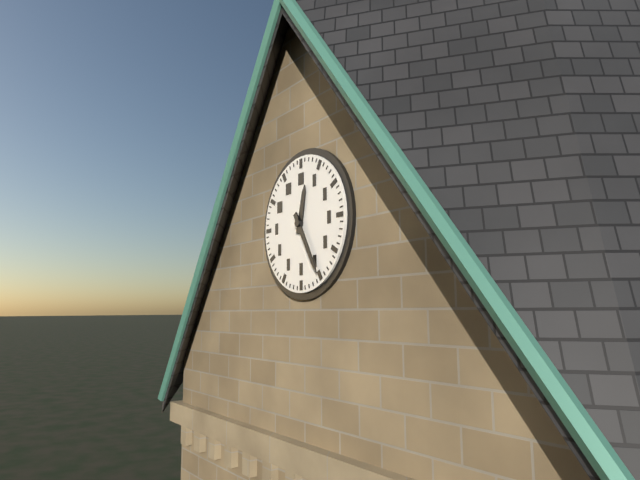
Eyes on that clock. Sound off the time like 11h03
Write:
12h25
